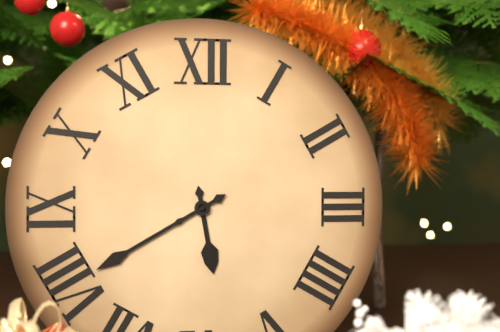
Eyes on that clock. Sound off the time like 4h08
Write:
5h40
